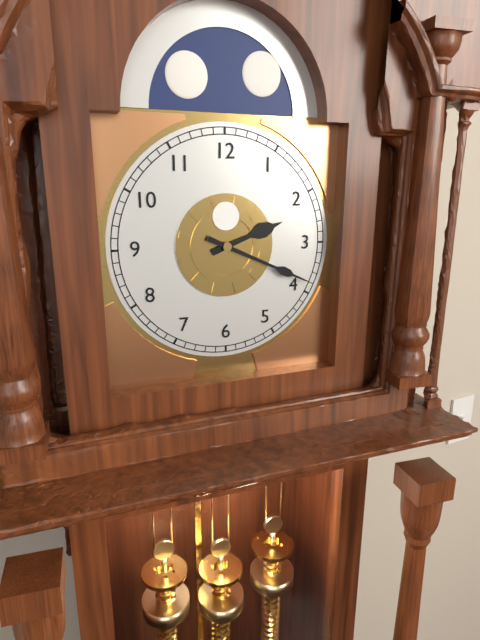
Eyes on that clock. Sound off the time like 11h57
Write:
2h19
